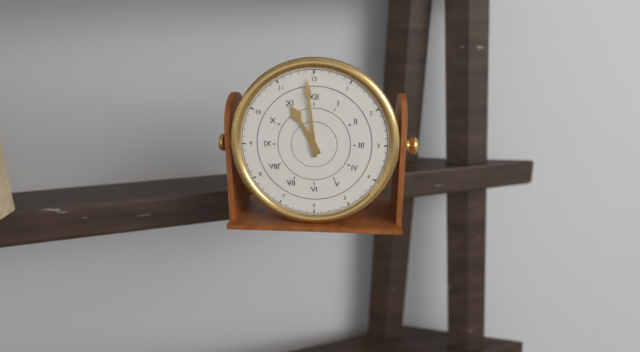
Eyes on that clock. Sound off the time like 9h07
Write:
10h59
